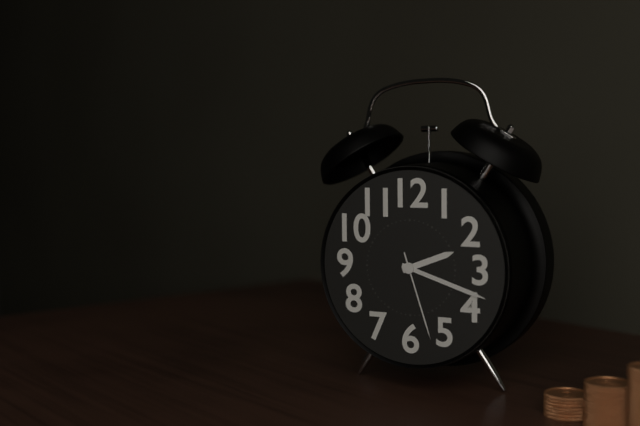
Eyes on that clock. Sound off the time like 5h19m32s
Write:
2h18m27s
